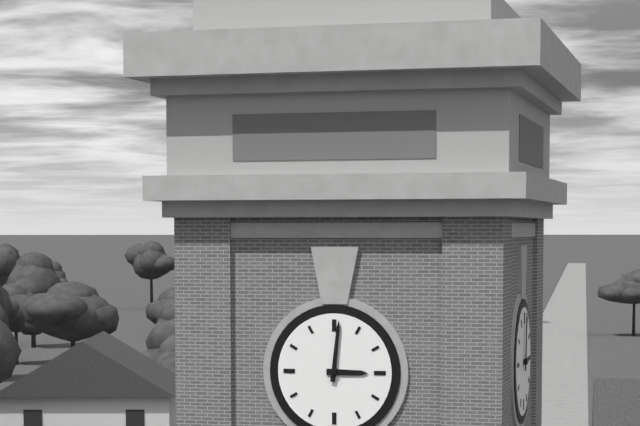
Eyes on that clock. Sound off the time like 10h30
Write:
3h01
